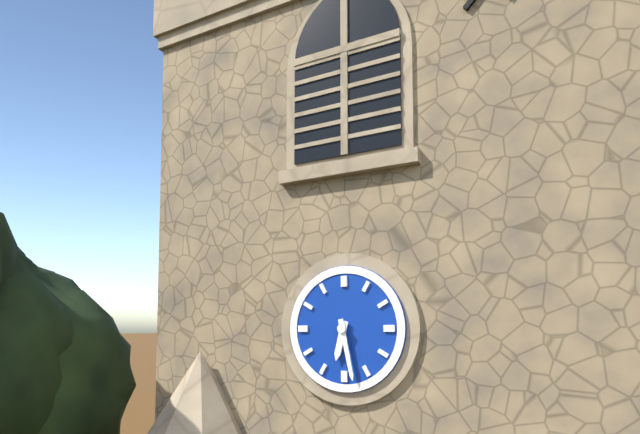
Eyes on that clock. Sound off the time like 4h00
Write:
6h28
